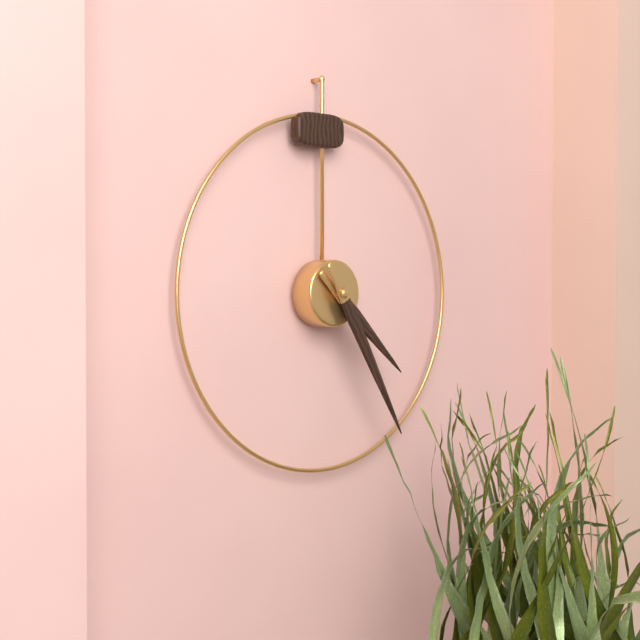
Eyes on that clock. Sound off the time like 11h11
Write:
4h25
